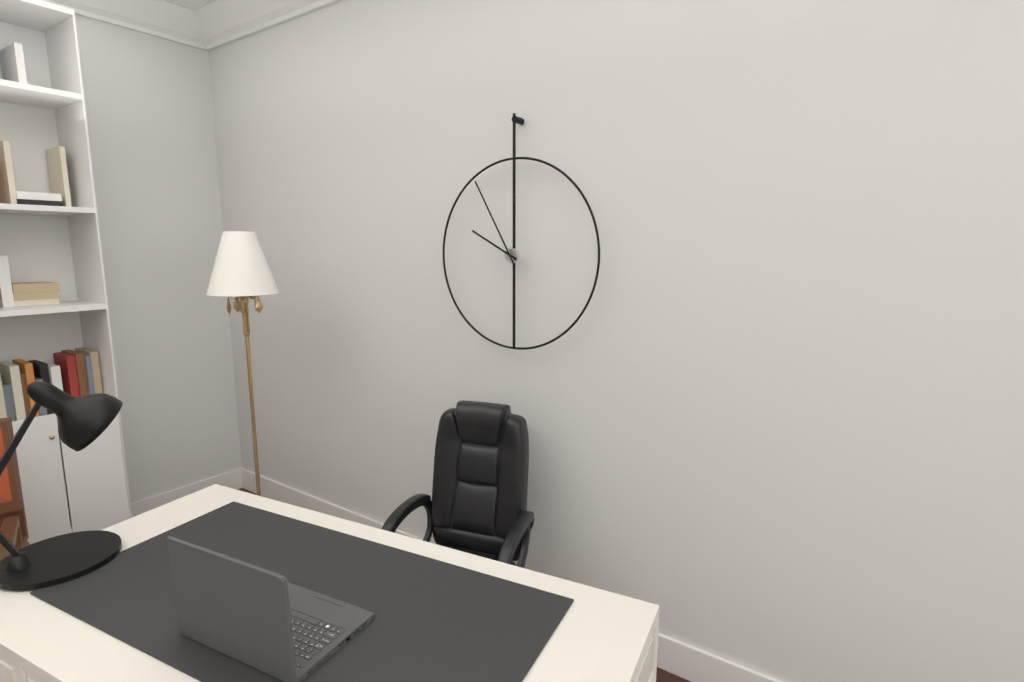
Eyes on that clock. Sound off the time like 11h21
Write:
9h55
